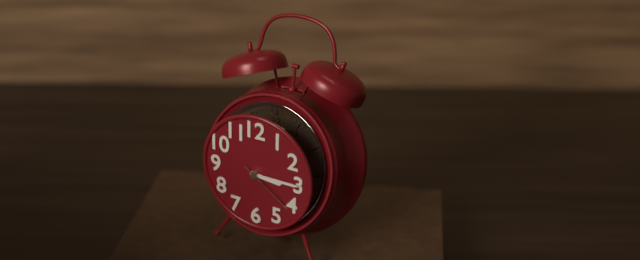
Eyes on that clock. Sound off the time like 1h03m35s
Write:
3h15m21s
